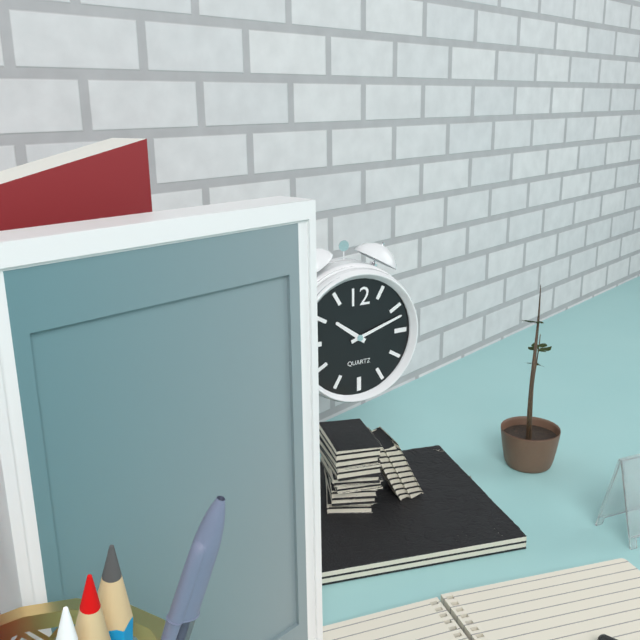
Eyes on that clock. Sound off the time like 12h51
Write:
10h12
